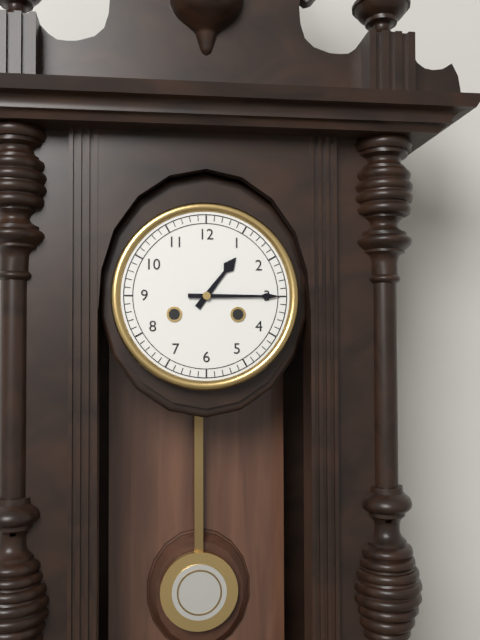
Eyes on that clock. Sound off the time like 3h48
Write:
1h15
